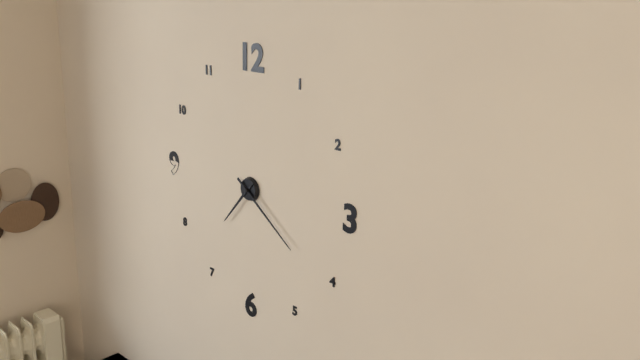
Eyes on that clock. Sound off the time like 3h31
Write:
7h21
